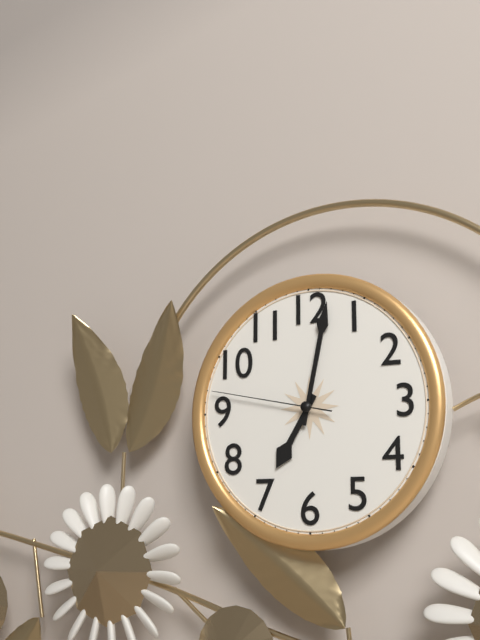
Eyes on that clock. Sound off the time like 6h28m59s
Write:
7h02m47s
